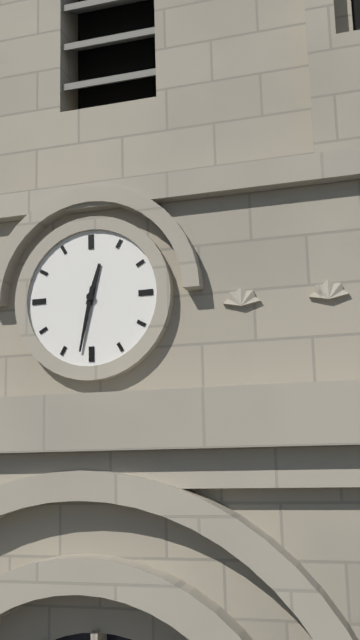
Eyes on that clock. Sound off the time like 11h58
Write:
12h32
